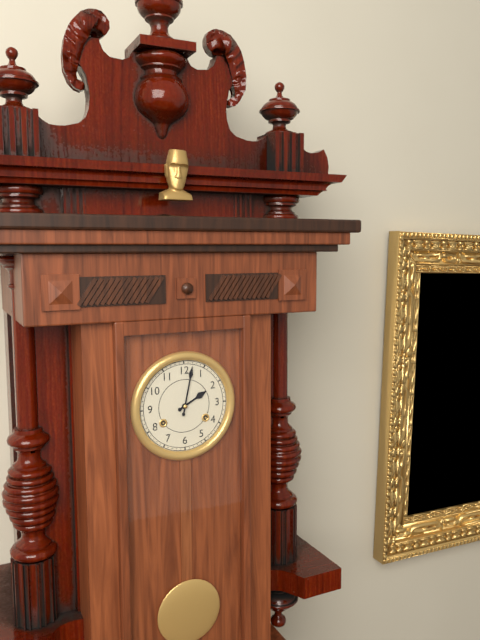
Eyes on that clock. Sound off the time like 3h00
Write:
2h02
